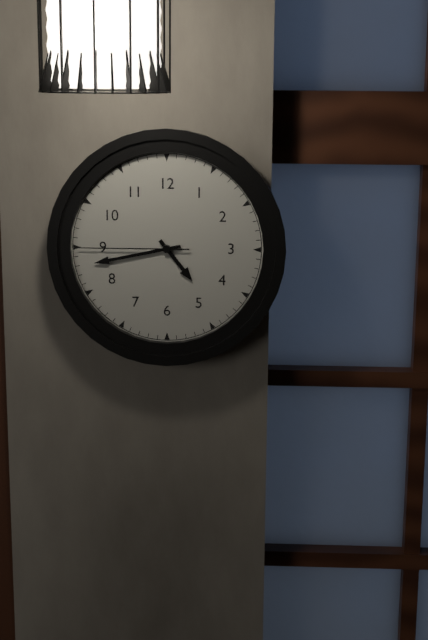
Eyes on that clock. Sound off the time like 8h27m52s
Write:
4h43m45s
